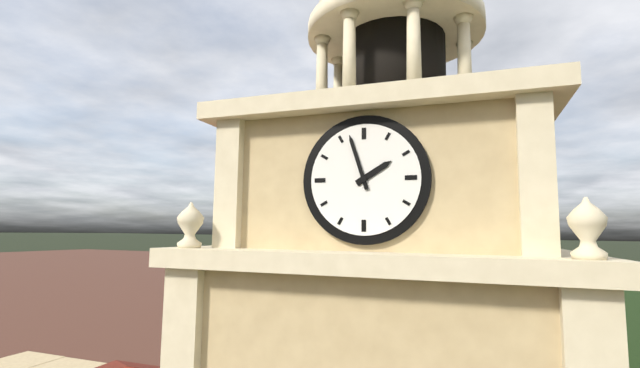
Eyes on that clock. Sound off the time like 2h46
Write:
1h57
